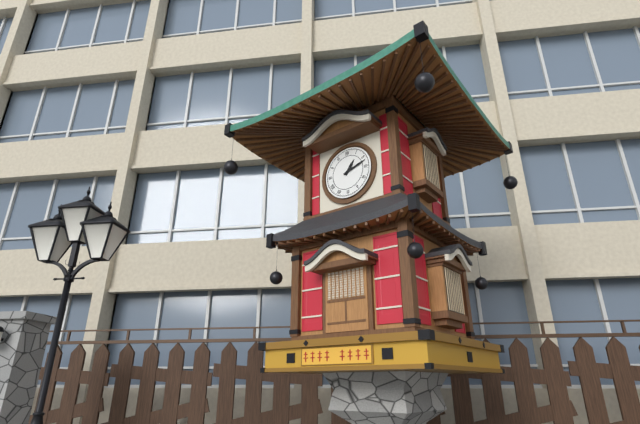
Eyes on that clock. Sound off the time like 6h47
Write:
1h12
